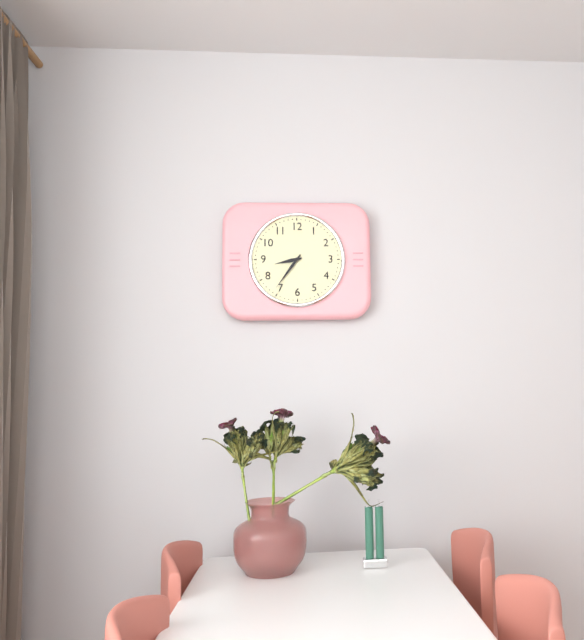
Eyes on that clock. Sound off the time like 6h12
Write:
8h36
